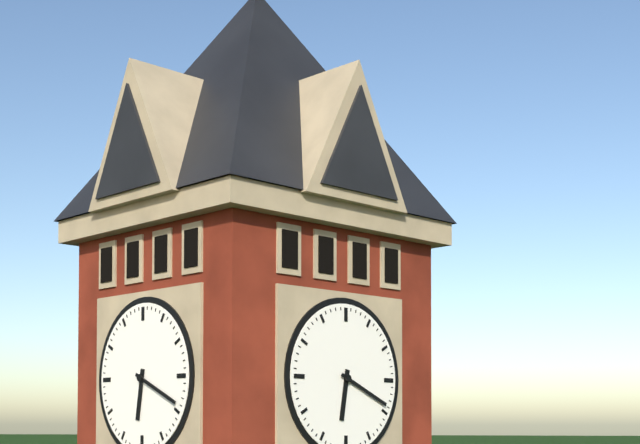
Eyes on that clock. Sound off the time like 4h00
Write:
6h19
